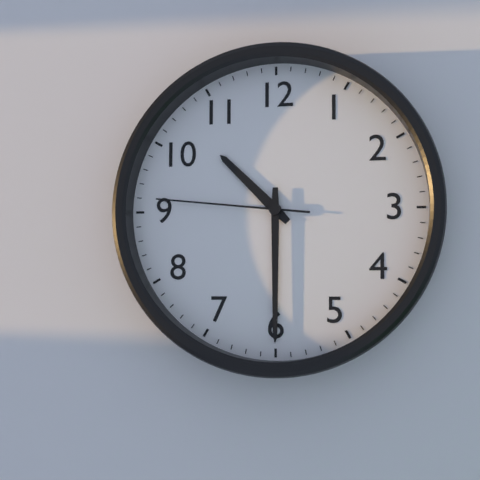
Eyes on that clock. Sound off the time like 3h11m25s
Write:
10h30m46s
